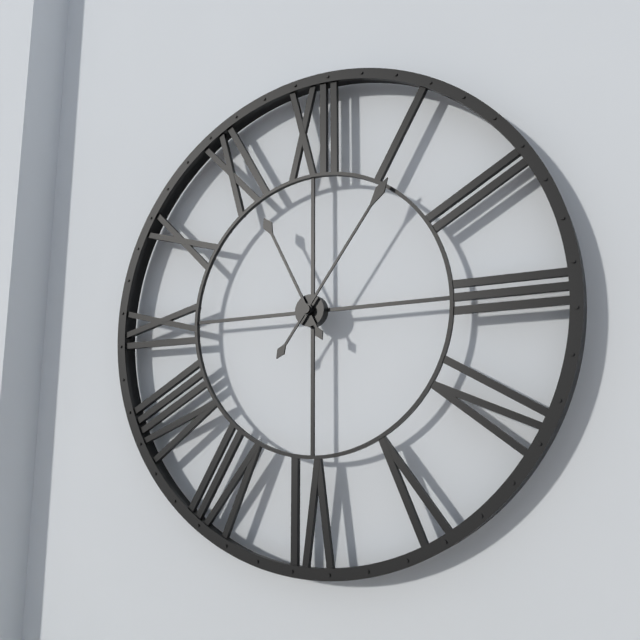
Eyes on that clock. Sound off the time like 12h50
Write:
11h06
